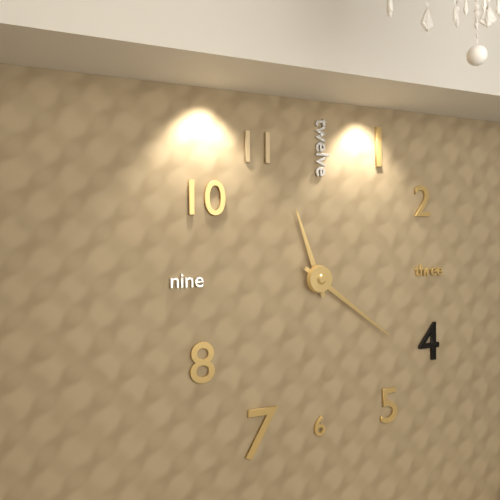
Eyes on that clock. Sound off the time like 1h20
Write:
11h21
